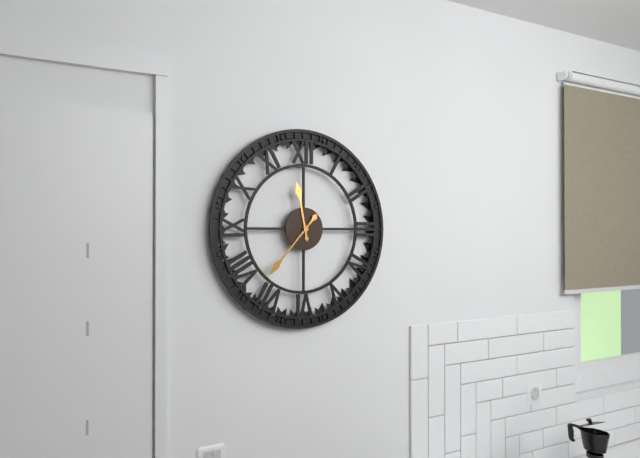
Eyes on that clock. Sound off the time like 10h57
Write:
11h37
